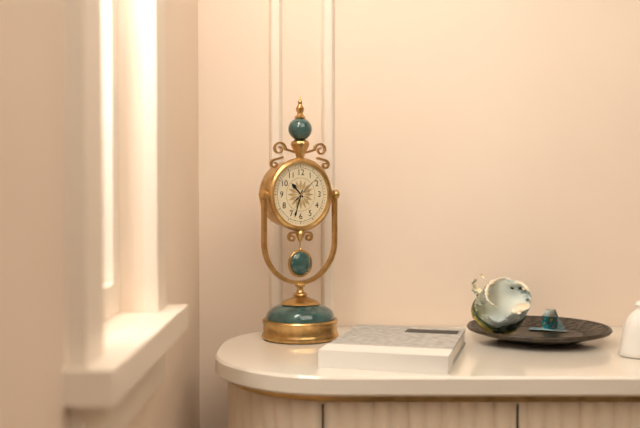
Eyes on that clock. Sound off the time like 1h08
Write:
10h33
